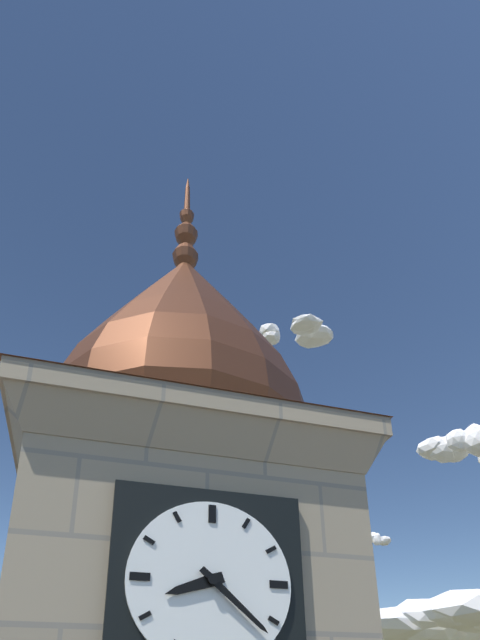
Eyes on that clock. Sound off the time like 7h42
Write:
8h22
